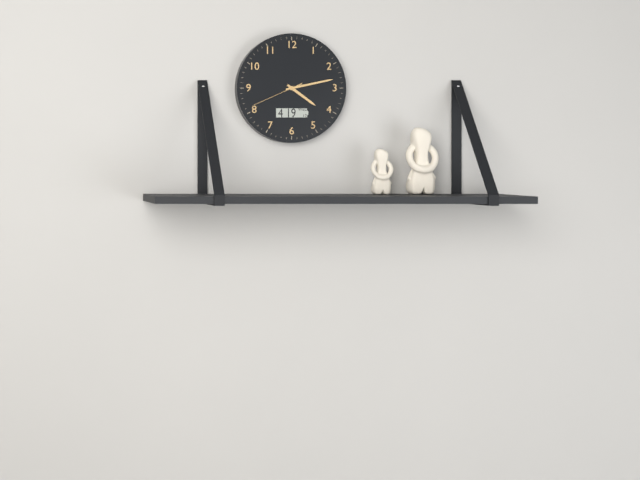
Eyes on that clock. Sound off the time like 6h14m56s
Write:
4h13m41s
